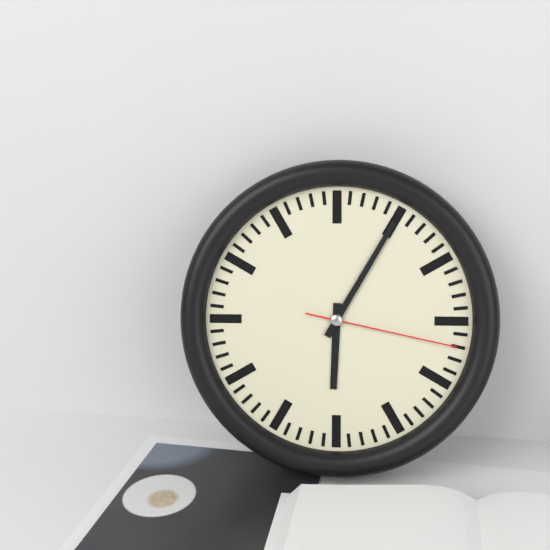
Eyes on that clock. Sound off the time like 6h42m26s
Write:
6h05m17s
